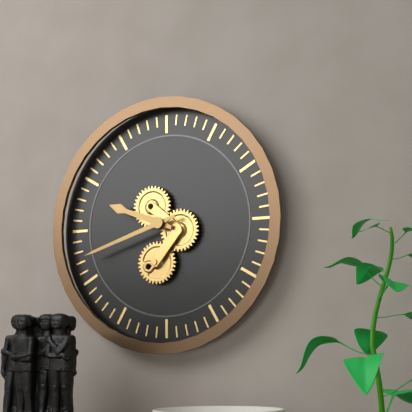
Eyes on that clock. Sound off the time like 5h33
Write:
9h42
